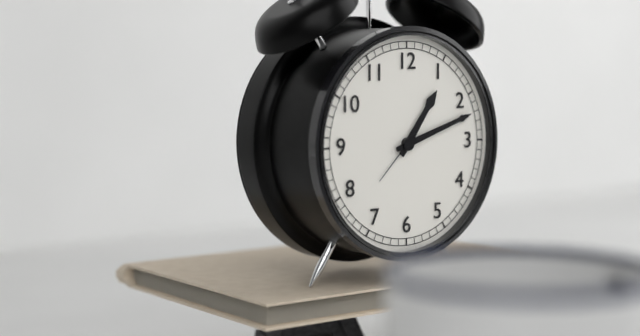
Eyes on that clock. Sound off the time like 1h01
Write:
1h12
